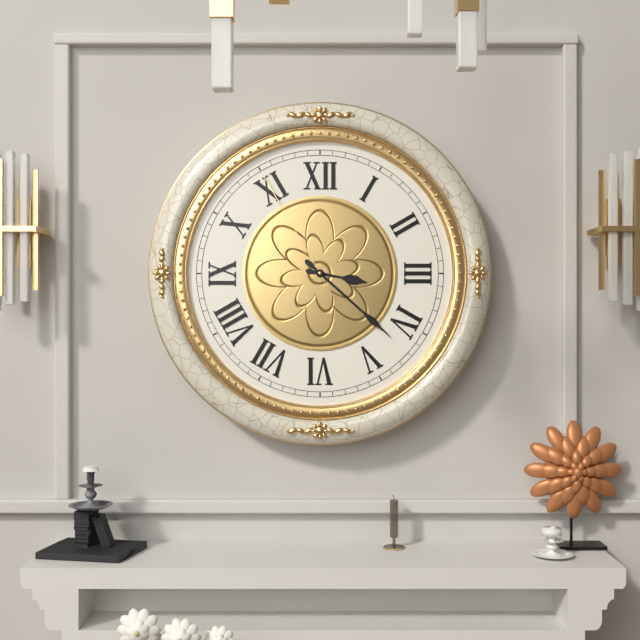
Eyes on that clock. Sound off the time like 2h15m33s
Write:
3h22m55s
